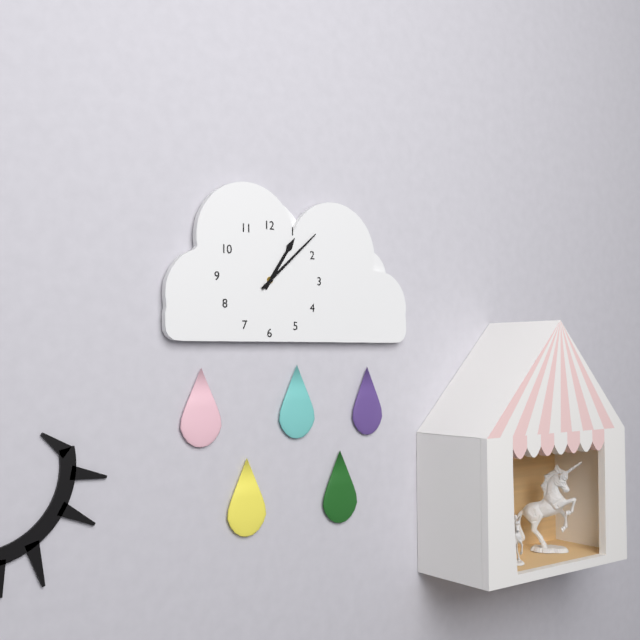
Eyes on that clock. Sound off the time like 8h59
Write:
1h08
